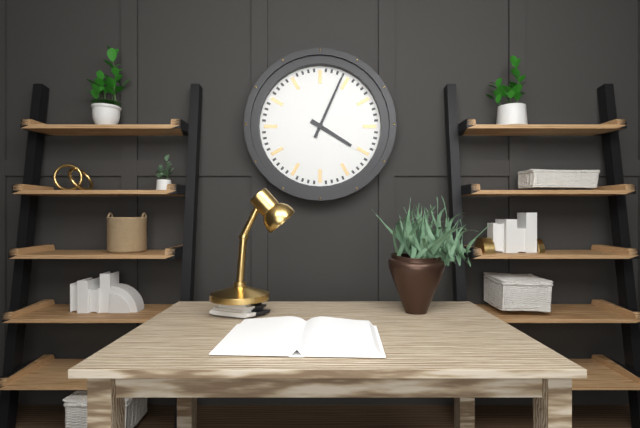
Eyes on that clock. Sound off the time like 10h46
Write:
4h04
